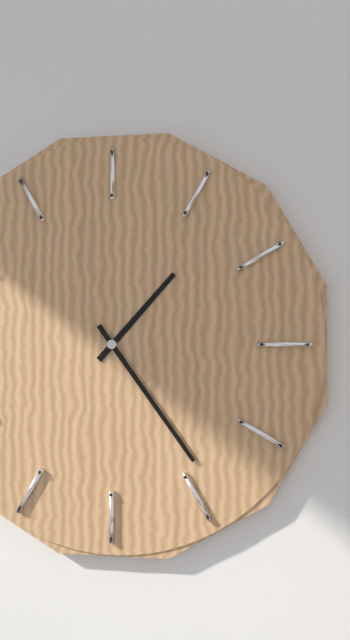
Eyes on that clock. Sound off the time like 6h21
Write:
1h24
